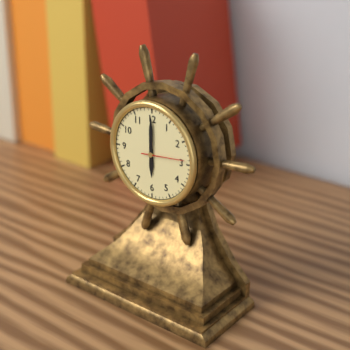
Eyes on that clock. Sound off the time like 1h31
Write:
6h00
